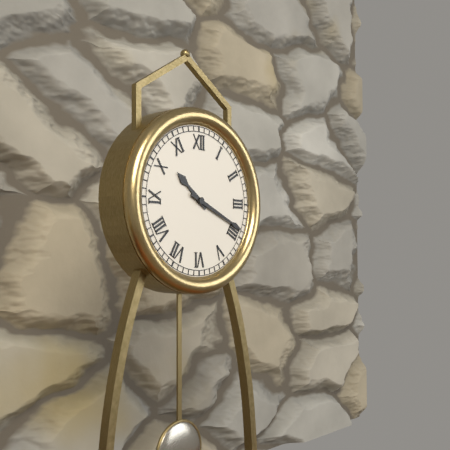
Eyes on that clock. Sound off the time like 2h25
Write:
10h19
